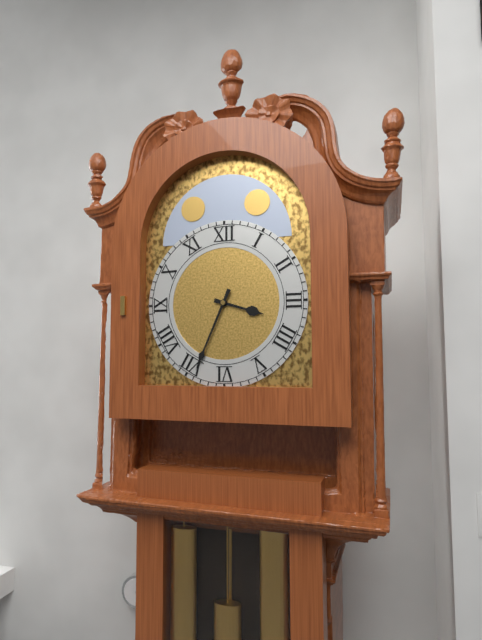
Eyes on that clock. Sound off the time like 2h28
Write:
3h34
